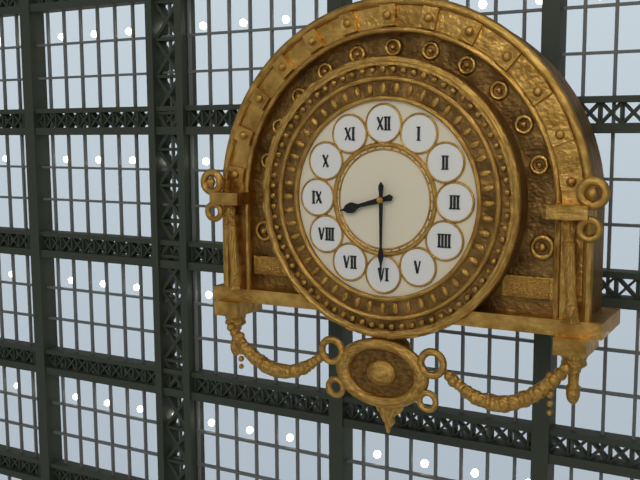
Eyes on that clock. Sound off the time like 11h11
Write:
8h30
